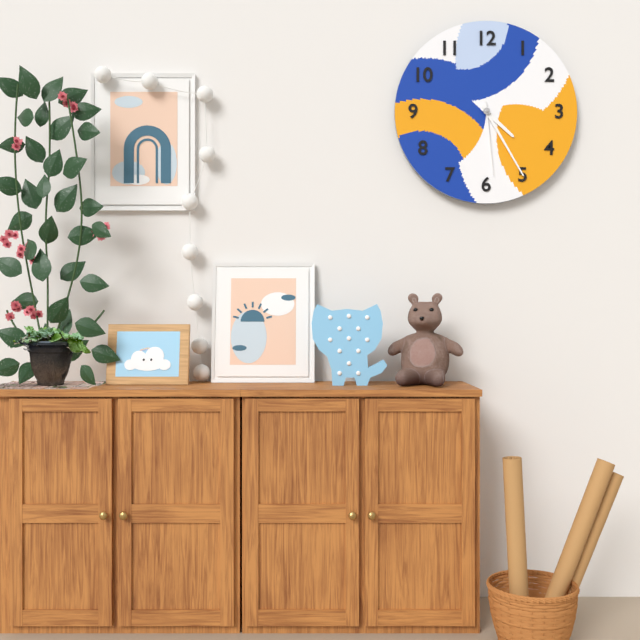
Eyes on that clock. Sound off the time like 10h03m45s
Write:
4h25m29s
